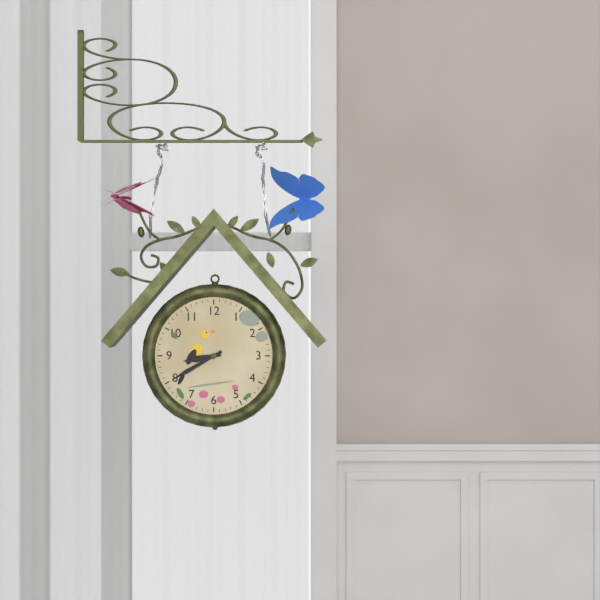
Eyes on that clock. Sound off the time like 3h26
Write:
8h40
